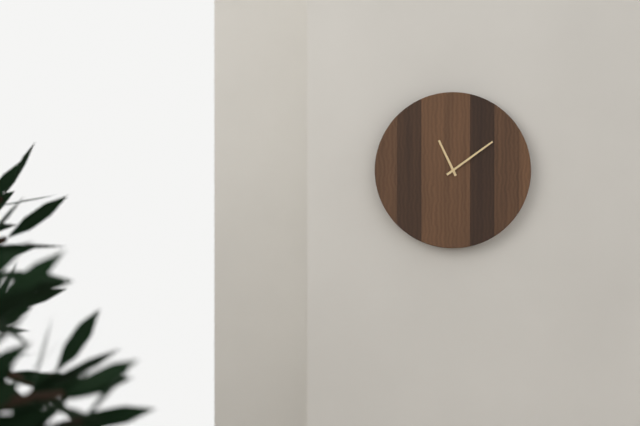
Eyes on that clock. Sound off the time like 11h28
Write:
11h09
